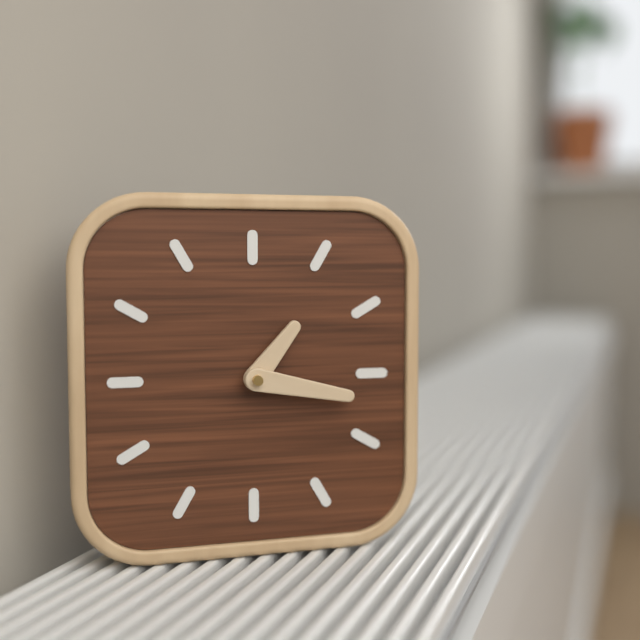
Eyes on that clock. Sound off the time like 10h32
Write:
1h17
